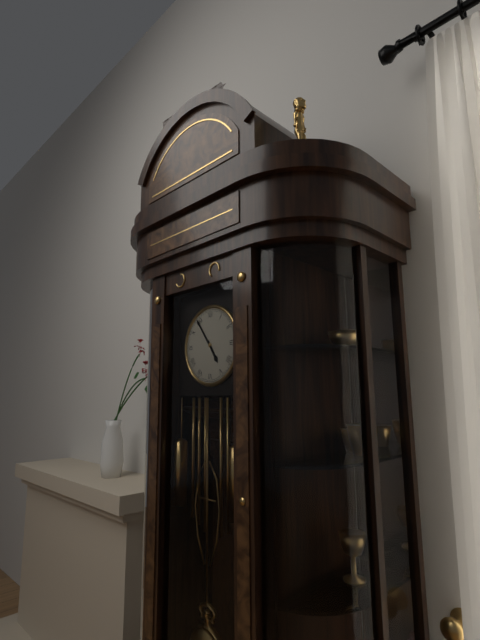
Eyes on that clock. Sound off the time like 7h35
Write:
4h54
